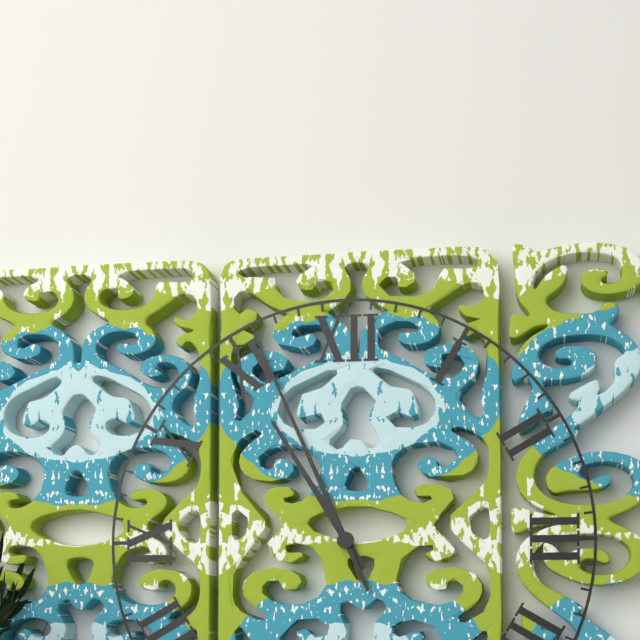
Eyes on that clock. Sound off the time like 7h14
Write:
10h56
